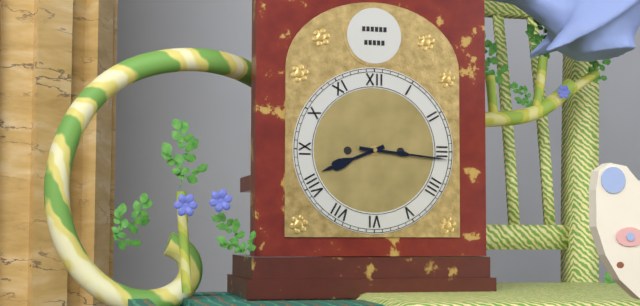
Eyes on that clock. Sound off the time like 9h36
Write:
8h16
